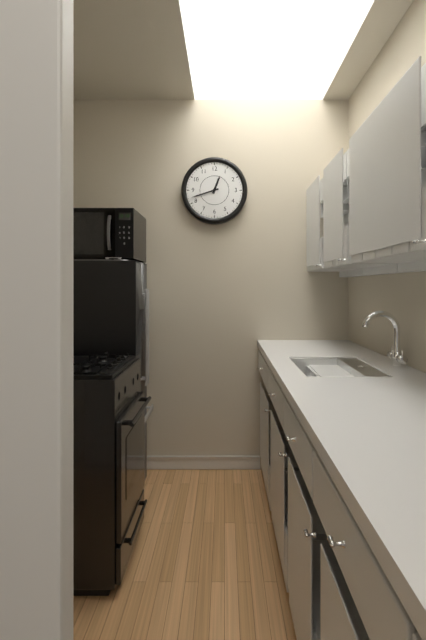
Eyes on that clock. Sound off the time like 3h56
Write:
12h42
